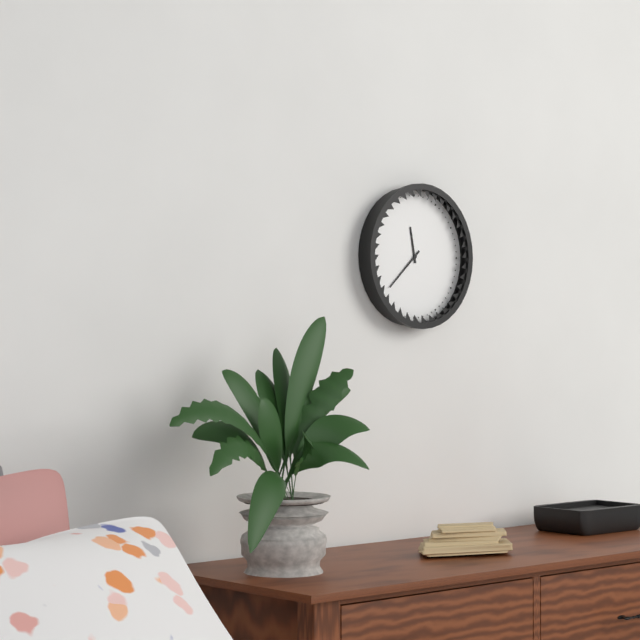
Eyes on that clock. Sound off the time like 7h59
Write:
11h38
